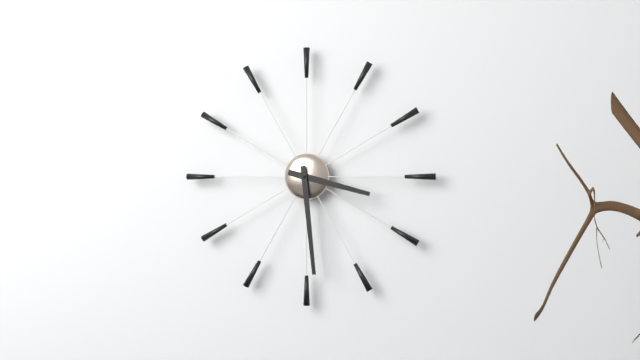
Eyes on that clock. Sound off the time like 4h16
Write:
3h29
